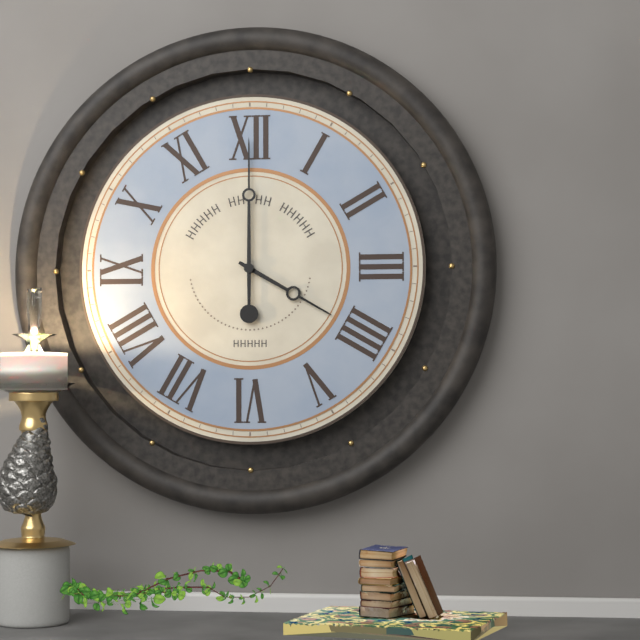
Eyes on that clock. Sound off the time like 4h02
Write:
4h00
